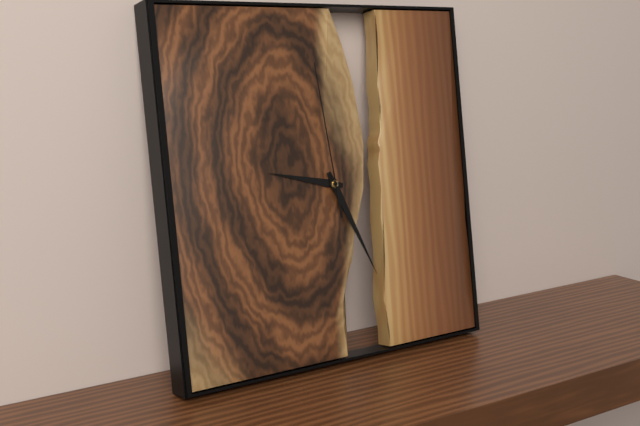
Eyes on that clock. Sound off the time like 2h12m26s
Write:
9h26m59s
